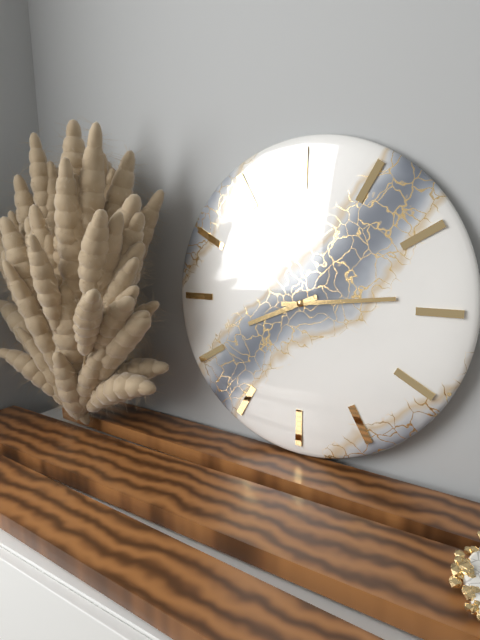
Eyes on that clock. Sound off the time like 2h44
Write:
8h14
